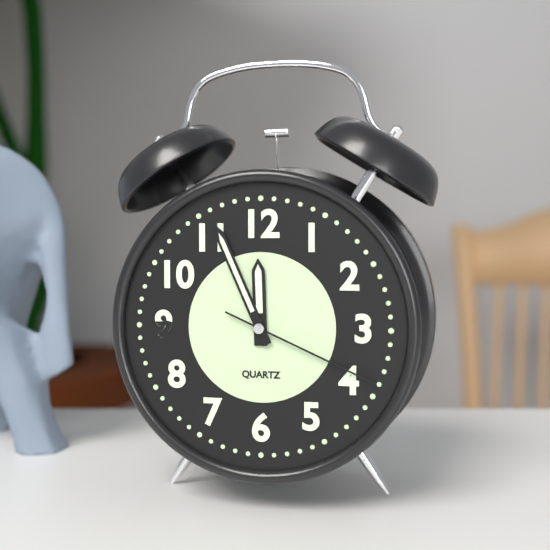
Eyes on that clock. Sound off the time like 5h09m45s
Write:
11h56m19s
